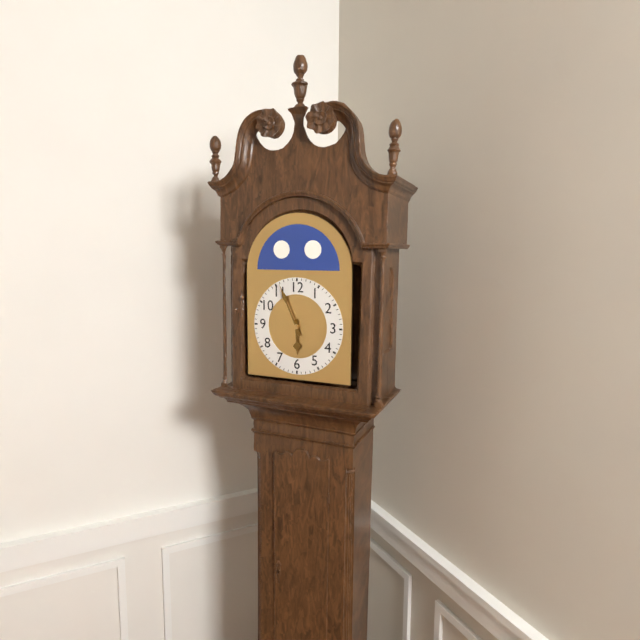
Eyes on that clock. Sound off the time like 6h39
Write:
5h56
